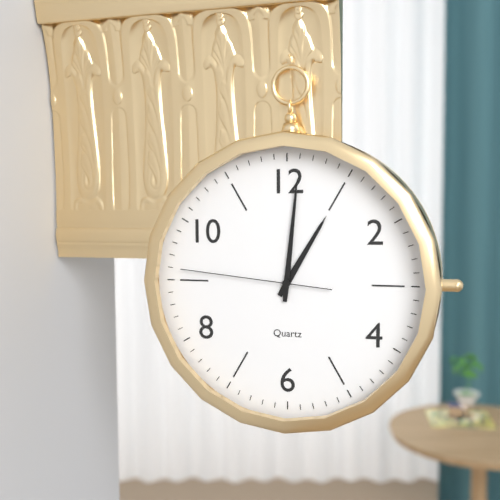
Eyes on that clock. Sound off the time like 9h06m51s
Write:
1h01m46s
